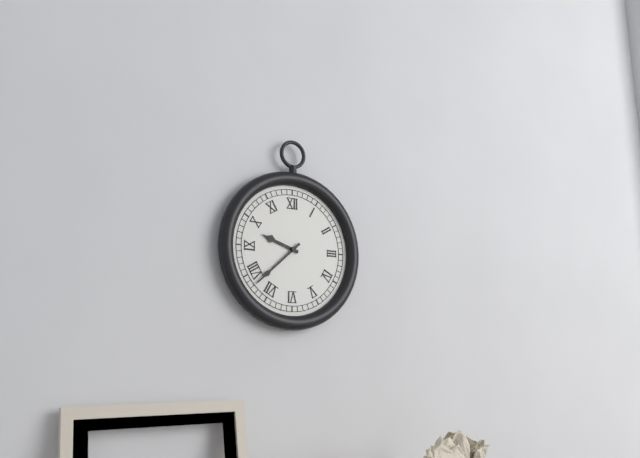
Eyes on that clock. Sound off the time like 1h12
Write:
9h38
